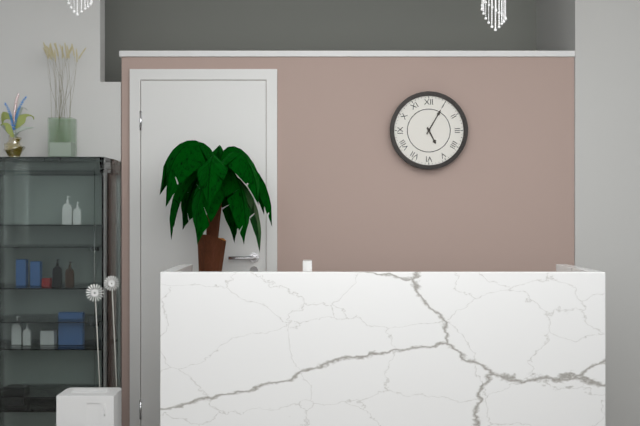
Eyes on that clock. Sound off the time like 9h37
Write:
5h05
